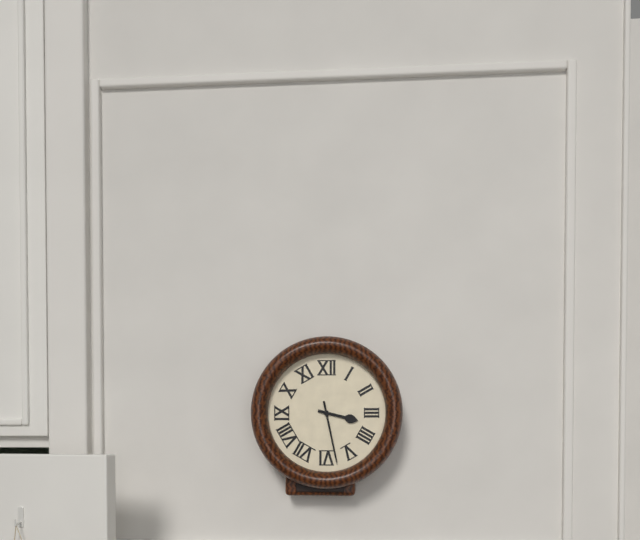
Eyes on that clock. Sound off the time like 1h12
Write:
3h28
